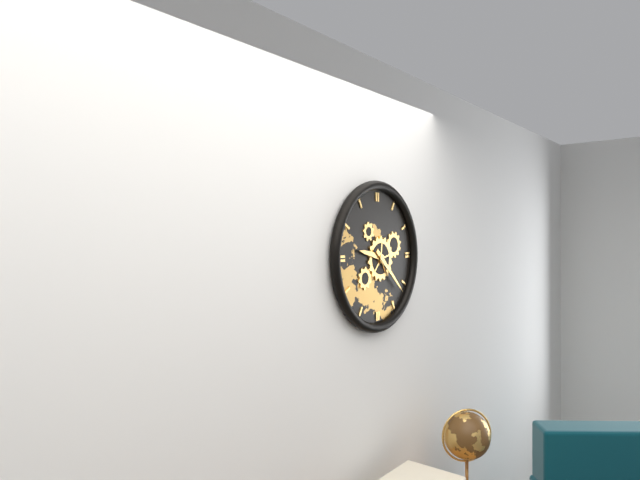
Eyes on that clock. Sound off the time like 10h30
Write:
9h22
